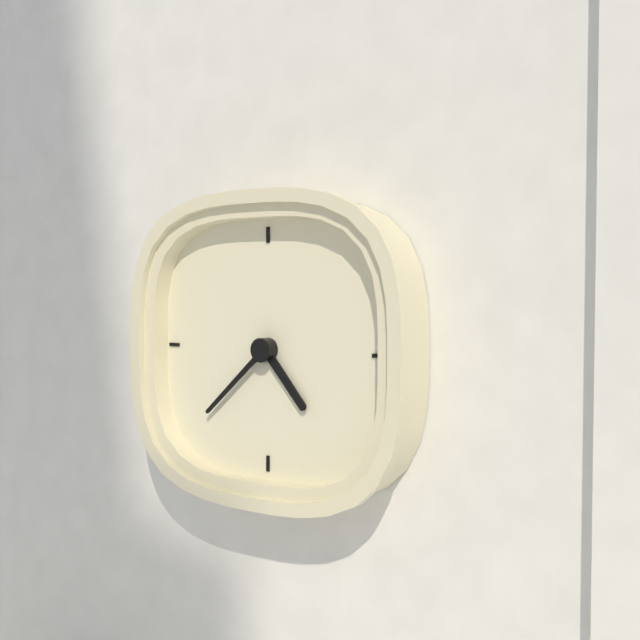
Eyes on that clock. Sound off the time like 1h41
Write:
4h38
